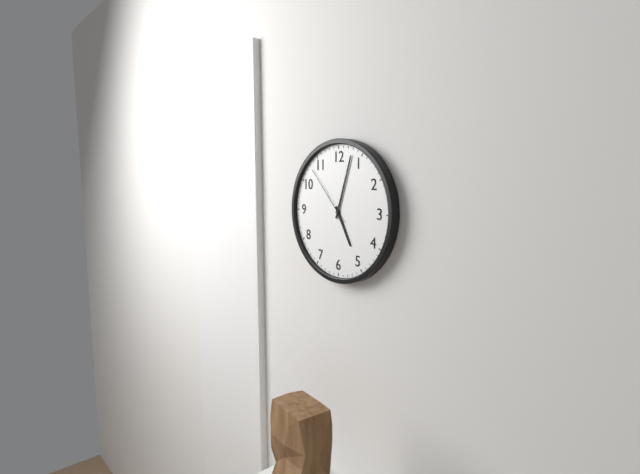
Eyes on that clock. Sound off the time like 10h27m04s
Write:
5h03m53s
